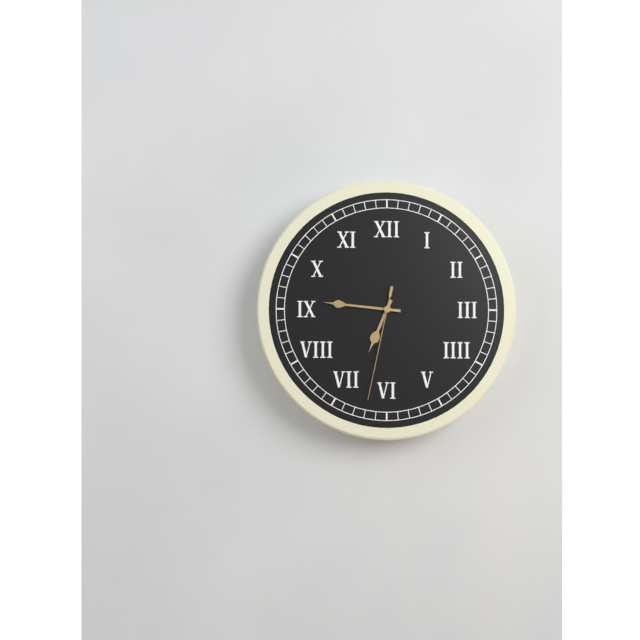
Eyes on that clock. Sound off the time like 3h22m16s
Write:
6h46m32s
